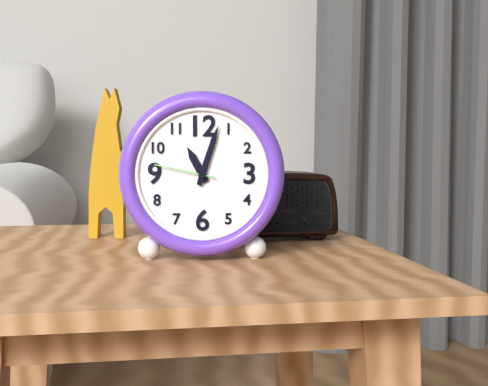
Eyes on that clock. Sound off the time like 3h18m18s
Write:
11h03m47s
